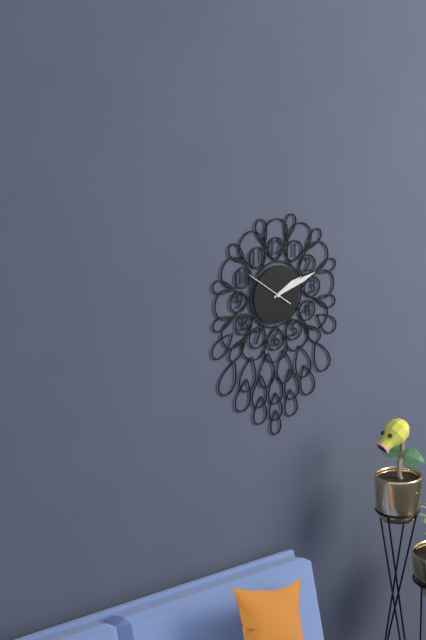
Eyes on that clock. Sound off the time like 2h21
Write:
2h12
